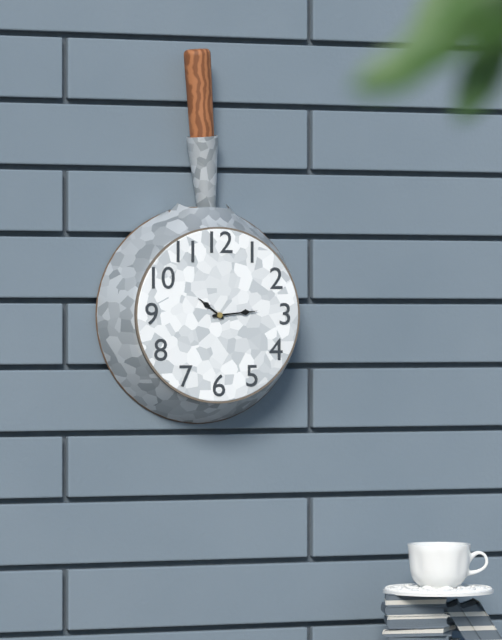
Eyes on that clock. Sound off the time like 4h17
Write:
10h14
